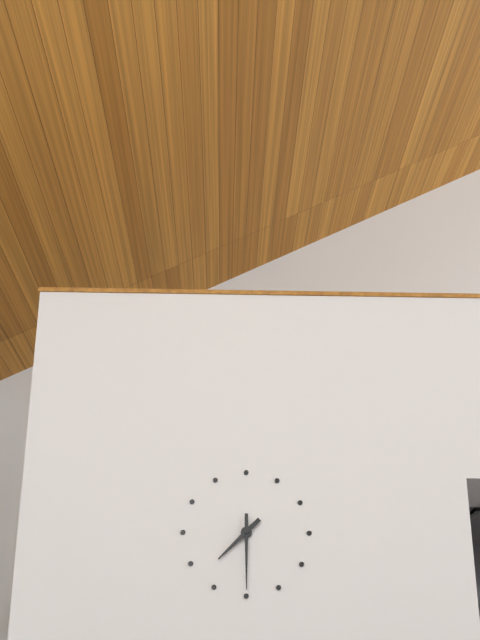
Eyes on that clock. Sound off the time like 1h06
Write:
7h30
